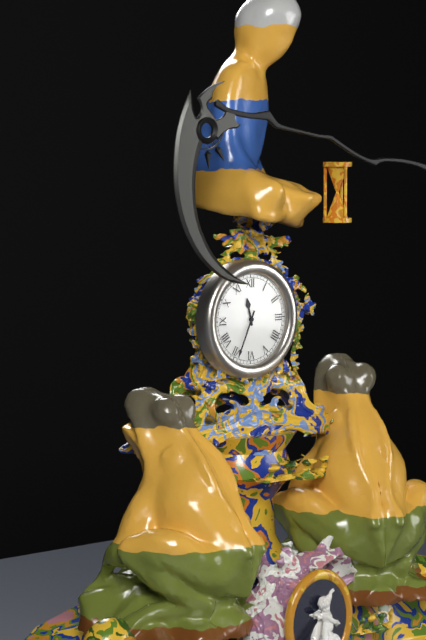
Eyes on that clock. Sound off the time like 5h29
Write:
11h34
